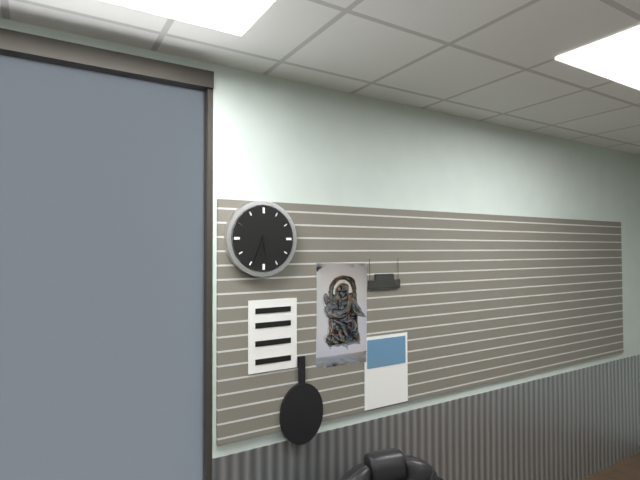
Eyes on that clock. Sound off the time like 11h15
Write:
5h34
